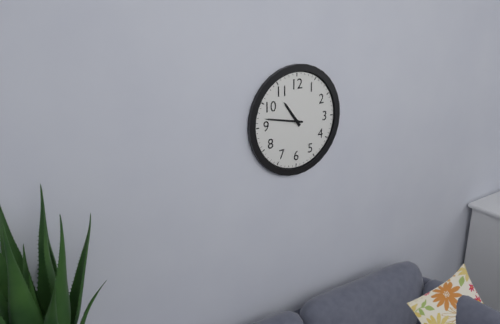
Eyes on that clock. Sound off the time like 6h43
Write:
10h47
